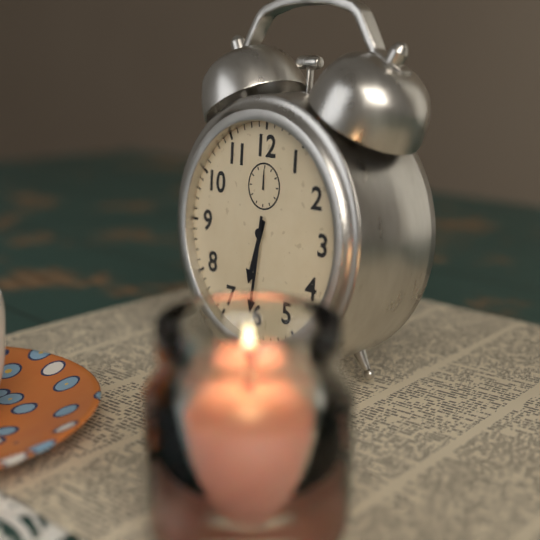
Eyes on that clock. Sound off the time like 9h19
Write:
6h31
